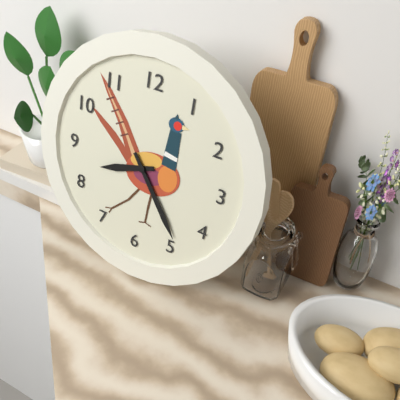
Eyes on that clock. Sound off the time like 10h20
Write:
8h24
